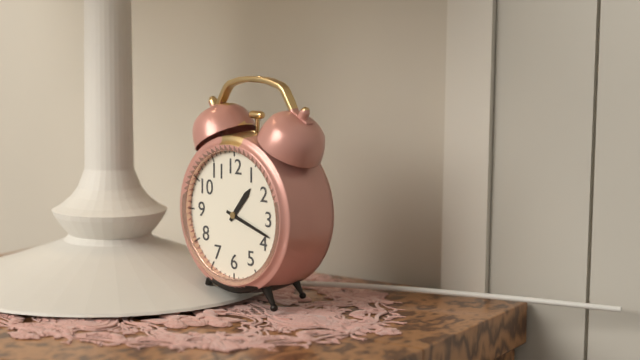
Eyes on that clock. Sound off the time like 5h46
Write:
1h18
